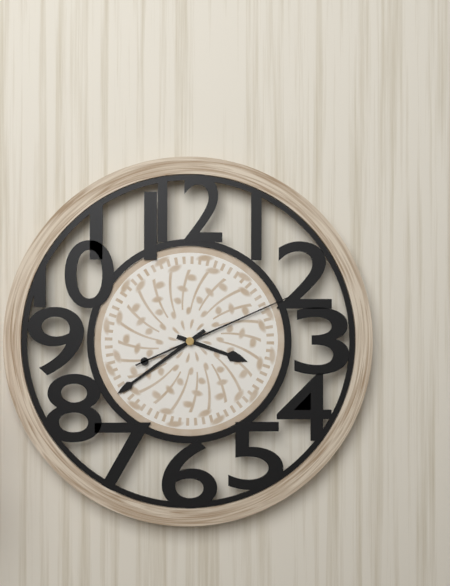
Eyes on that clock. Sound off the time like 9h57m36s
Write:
3h39m11s
